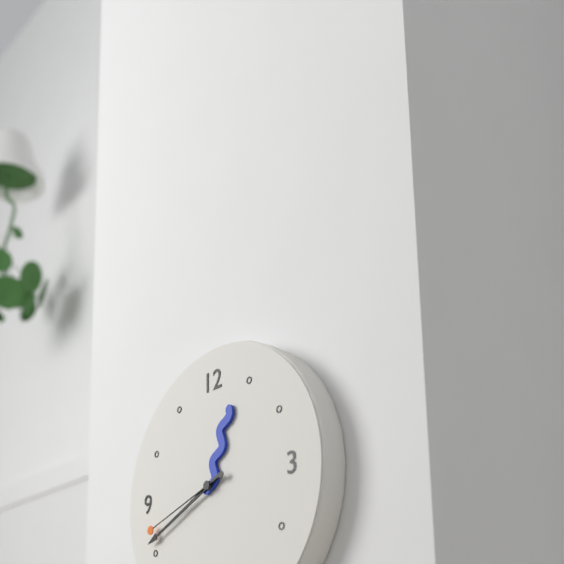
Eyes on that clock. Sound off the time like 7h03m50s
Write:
12h41m42s
